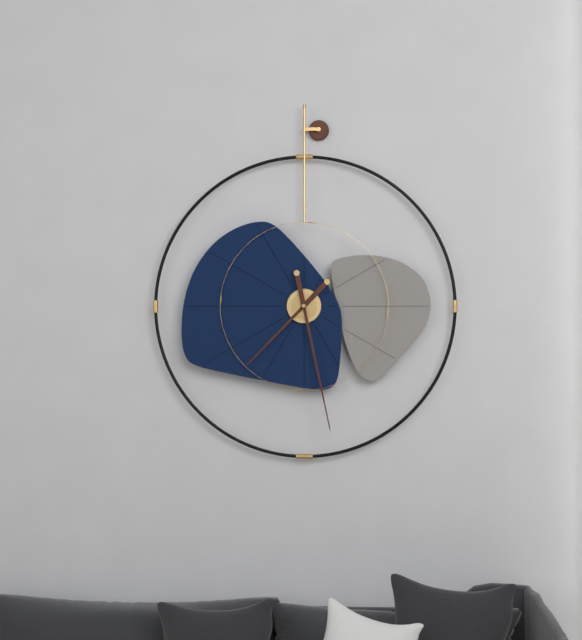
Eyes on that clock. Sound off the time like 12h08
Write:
7h28
